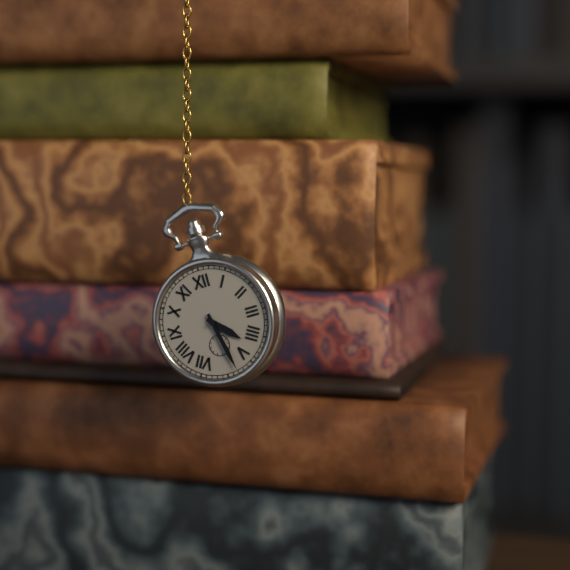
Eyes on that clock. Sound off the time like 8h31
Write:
4h28
